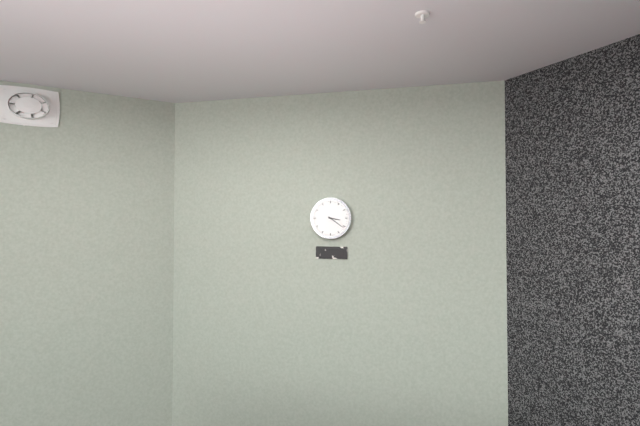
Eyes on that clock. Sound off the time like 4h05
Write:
3h21
